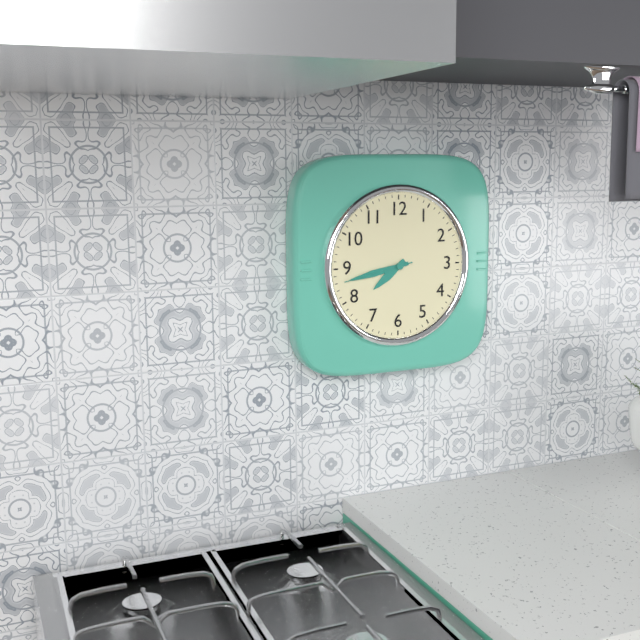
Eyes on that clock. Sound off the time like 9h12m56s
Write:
7h43m43s
